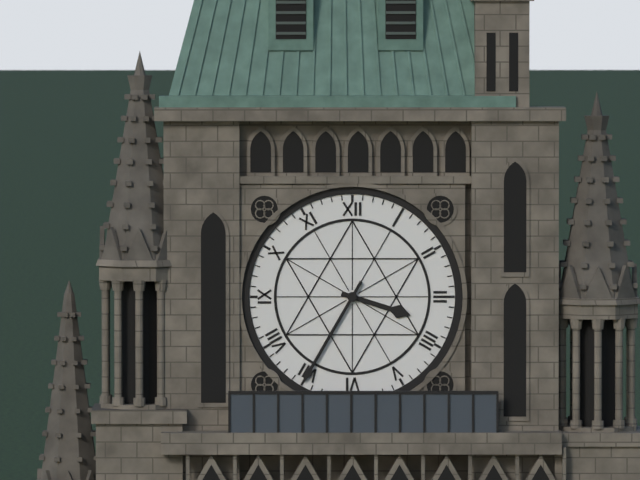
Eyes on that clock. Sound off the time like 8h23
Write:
3h35
